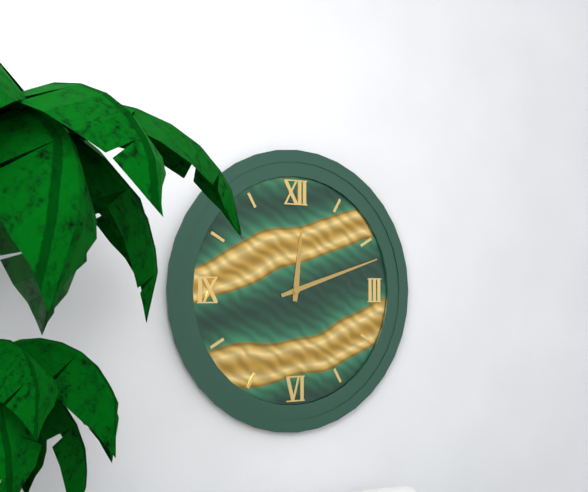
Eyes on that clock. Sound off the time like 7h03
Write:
12h12
